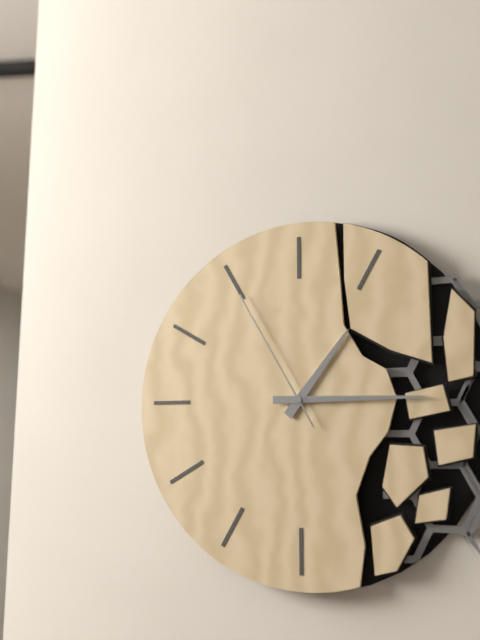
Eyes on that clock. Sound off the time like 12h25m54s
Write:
1h15m55s
